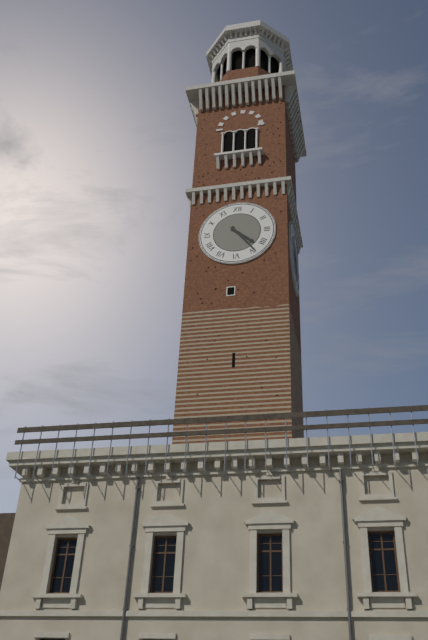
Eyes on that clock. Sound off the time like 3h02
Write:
4h24
